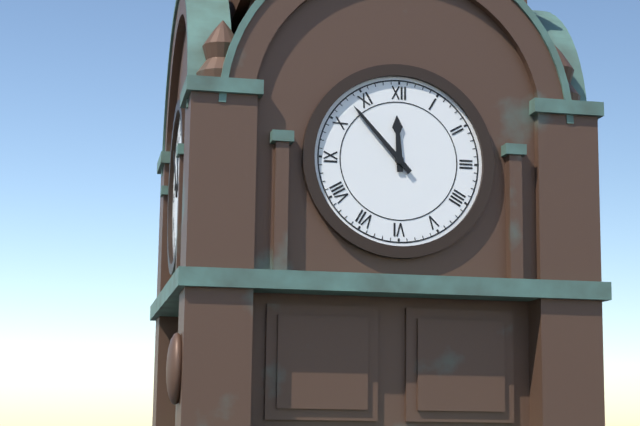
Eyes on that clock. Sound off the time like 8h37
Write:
11h53
